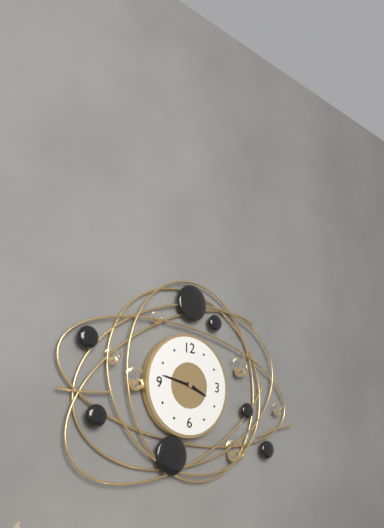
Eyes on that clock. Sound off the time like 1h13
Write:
3h47
